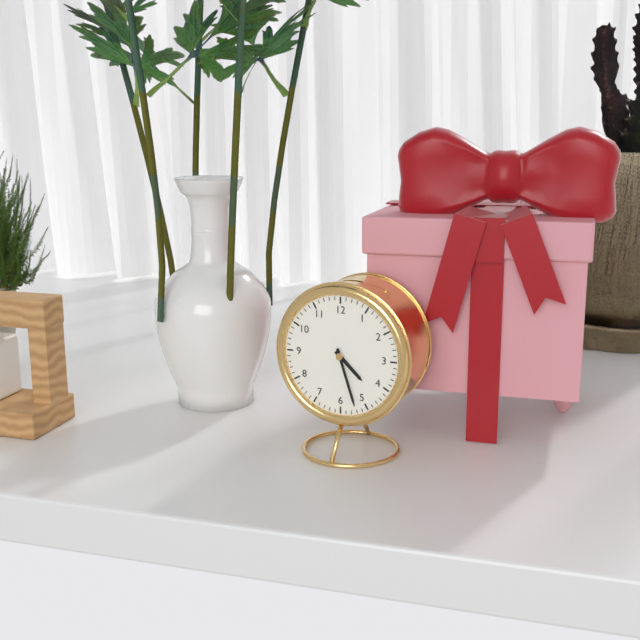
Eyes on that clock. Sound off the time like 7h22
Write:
4h27
